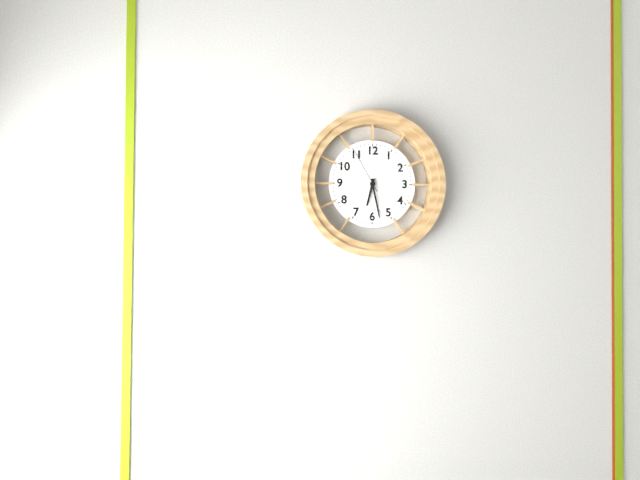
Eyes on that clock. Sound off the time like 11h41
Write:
6h28
